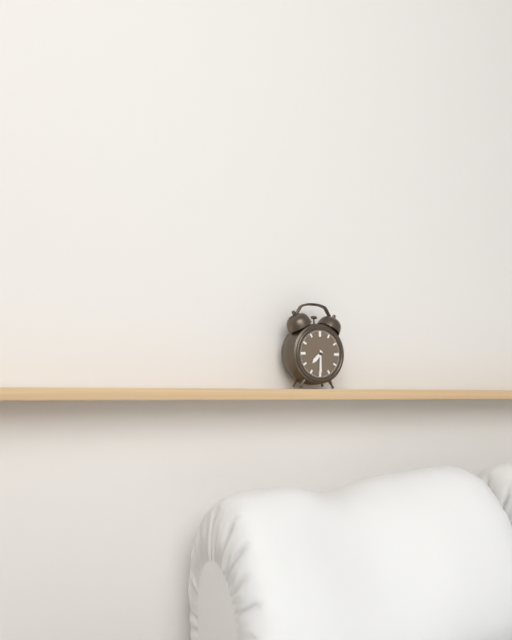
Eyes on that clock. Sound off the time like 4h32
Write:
7h30
